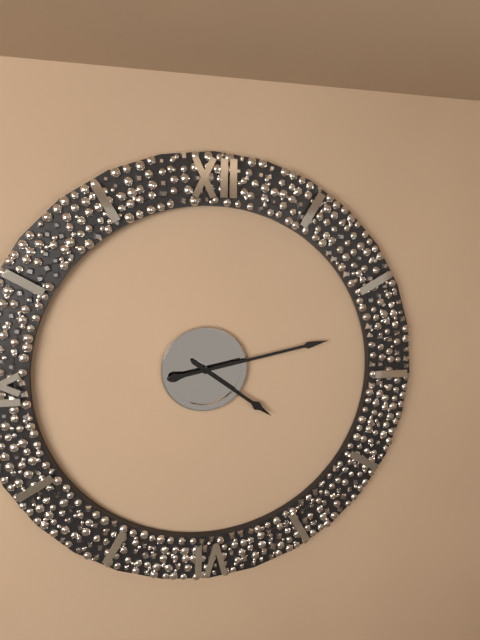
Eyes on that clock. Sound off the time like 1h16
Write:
4h13
